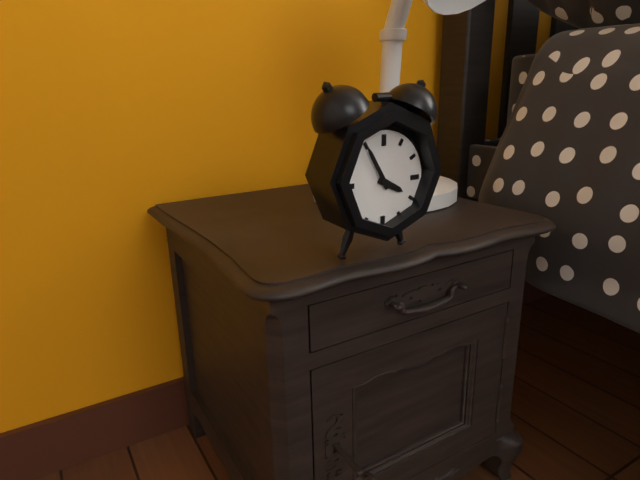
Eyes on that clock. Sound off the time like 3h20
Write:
3h55
